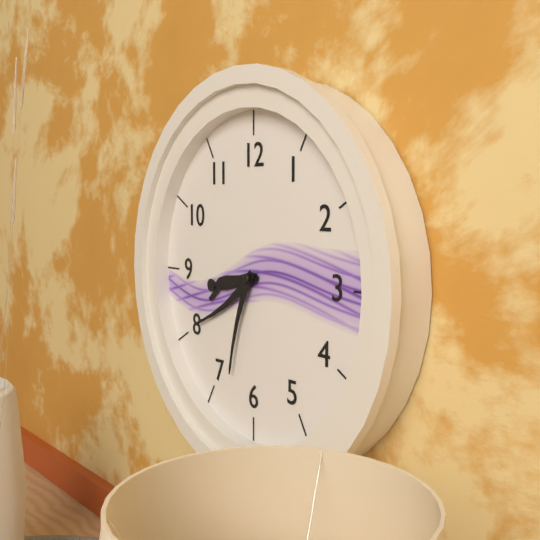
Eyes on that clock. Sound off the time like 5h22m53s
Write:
8h40m33s
